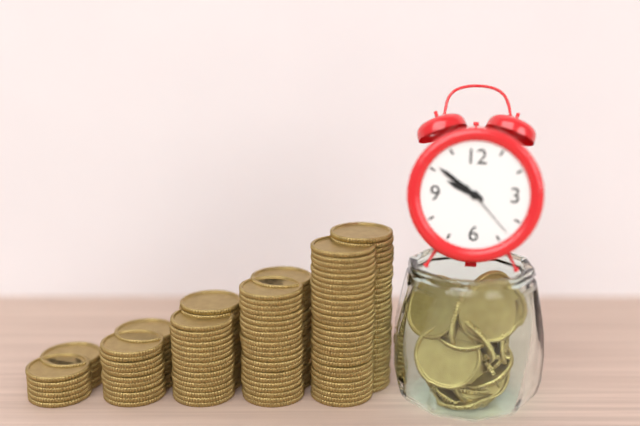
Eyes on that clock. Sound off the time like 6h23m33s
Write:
9h51m23s
